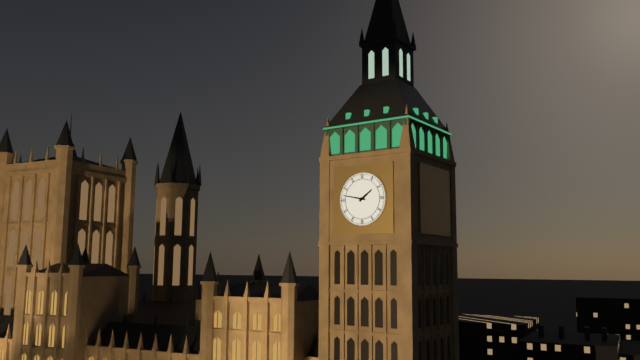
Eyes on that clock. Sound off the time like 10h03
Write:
1h47
